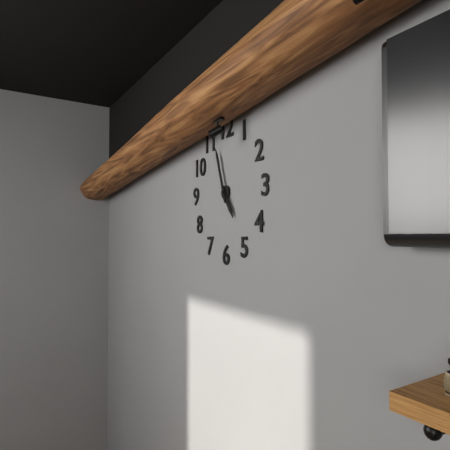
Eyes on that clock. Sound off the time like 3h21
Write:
4h57
